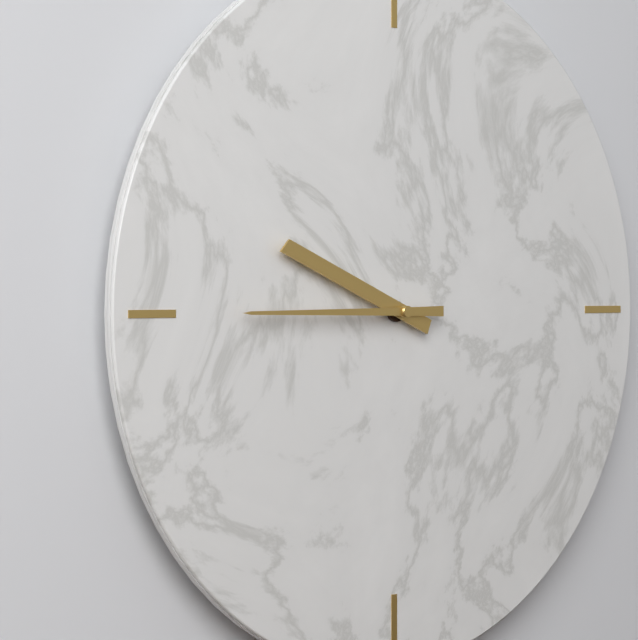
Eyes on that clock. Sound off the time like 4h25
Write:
9h45
